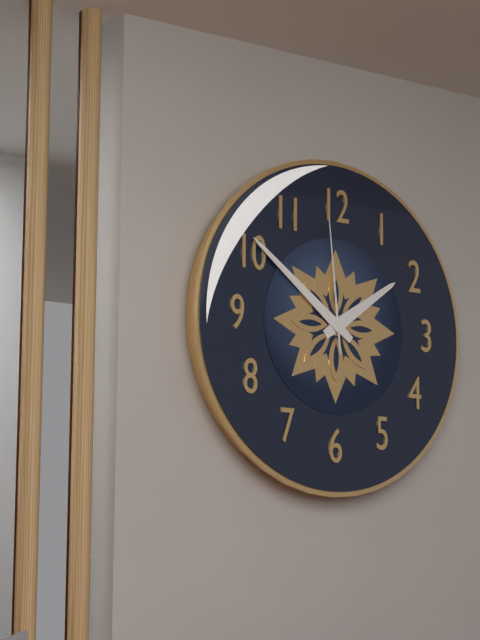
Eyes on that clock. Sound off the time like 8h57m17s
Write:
1h51m59s
